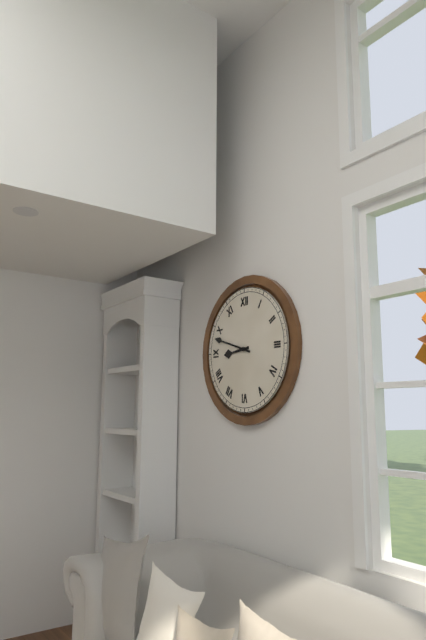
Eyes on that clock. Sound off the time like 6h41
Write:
8h48
